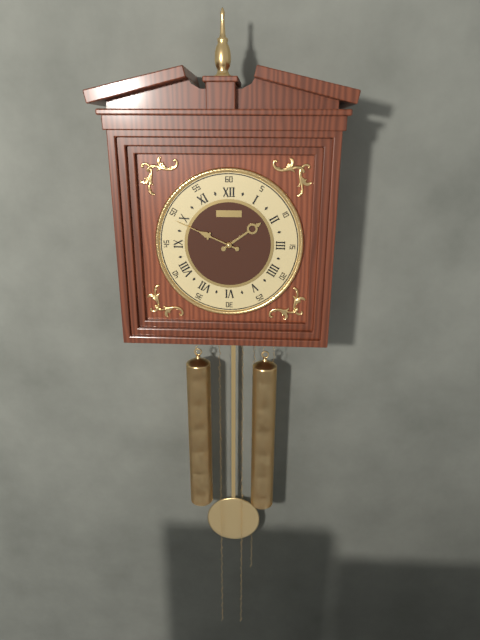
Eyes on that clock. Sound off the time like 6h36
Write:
1h49
